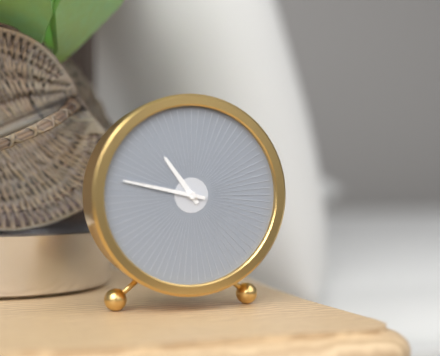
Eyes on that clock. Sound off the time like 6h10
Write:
10h47
